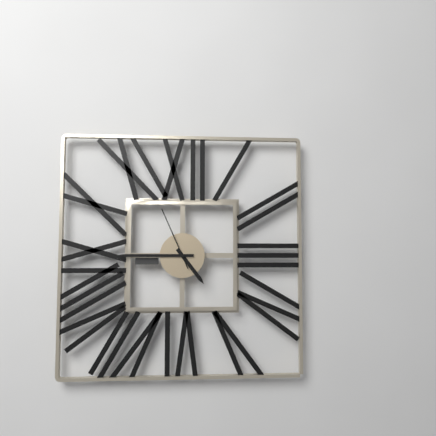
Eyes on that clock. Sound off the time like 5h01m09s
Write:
4h45m56s
